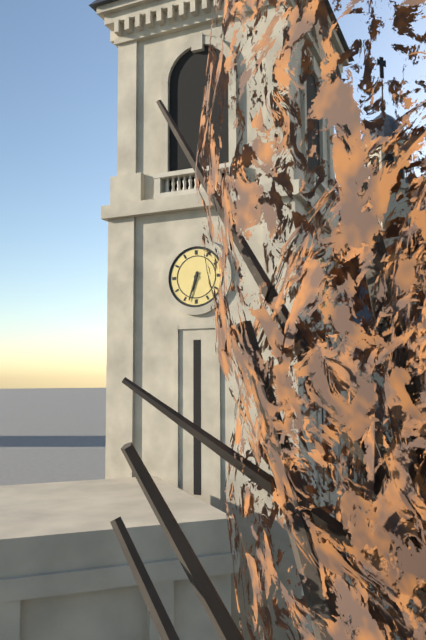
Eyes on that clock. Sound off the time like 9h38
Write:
6h33
